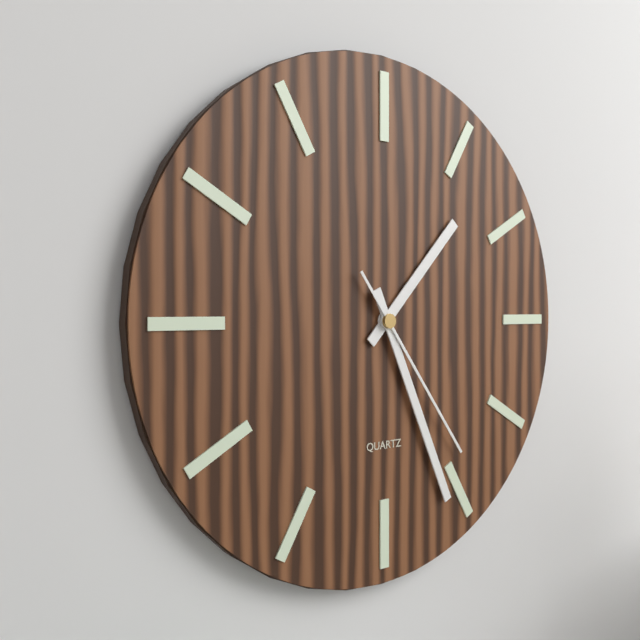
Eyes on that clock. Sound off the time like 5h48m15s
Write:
1h26m24s
